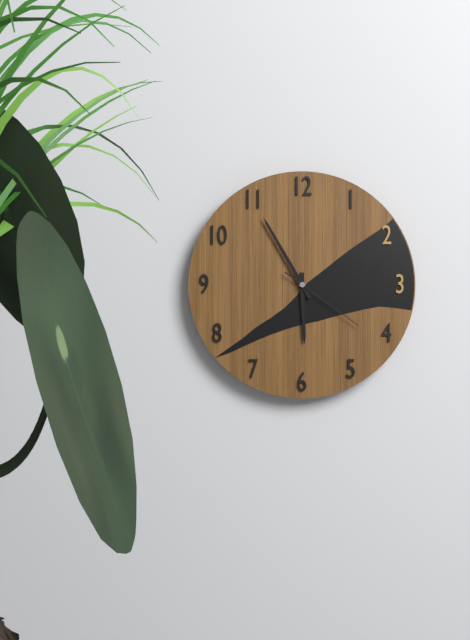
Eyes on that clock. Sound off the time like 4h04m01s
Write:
5h55m21s
